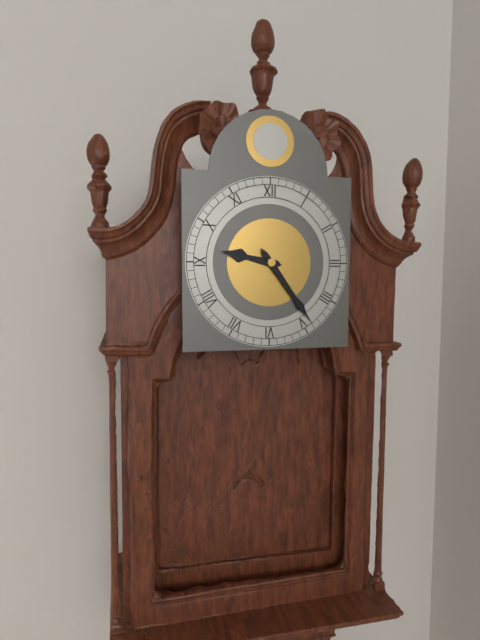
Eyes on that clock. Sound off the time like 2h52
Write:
9h24
